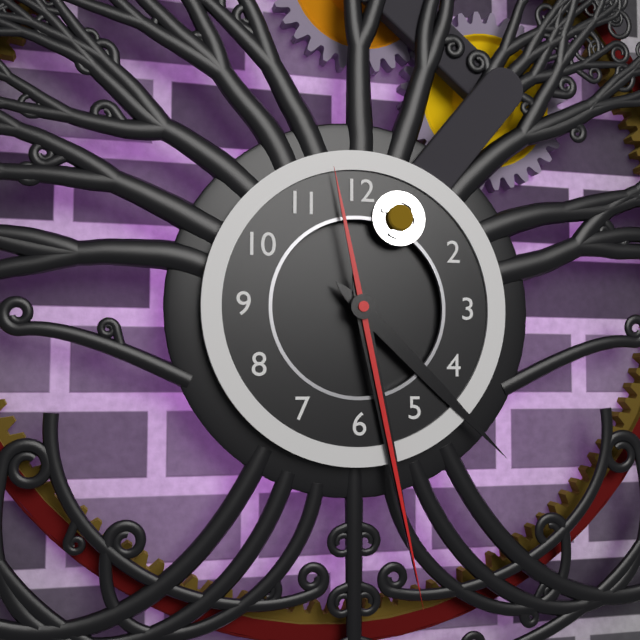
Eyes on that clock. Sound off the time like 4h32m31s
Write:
4h28m28s
